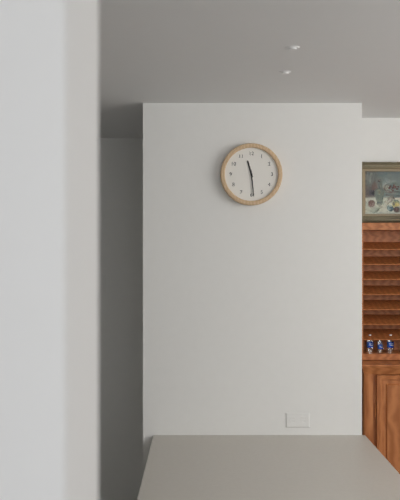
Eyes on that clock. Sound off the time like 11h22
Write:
11h29
